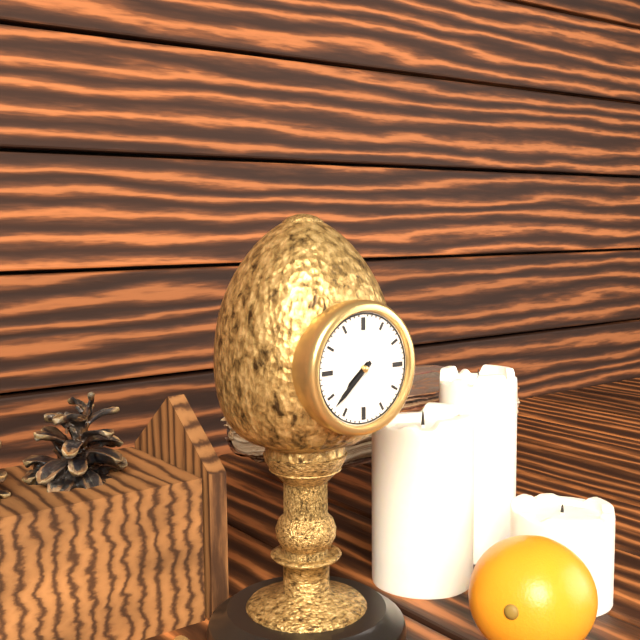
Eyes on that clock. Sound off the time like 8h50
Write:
7h38
